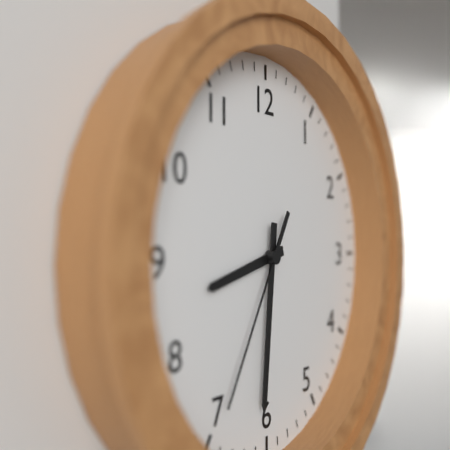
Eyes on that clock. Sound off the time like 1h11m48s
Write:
8h31m35s
